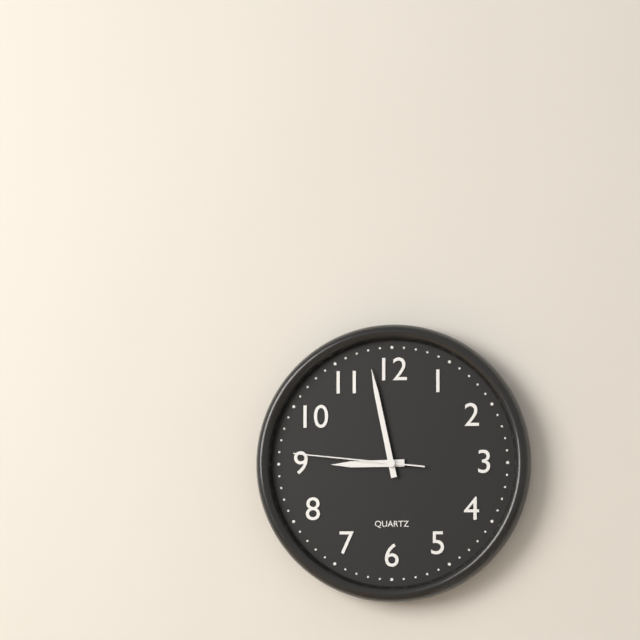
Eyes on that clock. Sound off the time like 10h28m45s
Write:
8h58m46s
